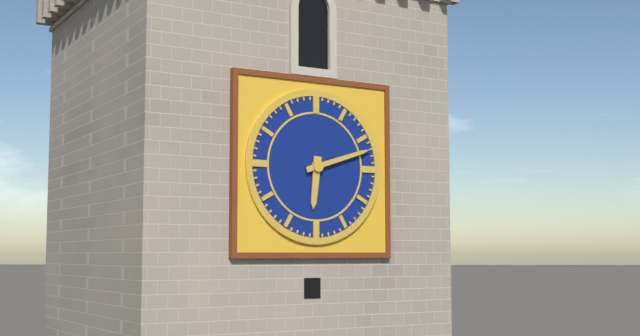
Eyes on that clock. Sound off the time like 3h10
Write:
6h12
